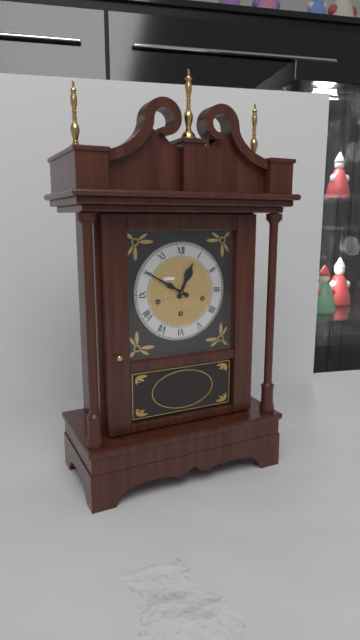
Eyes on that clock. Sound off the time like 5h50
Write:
12h50
